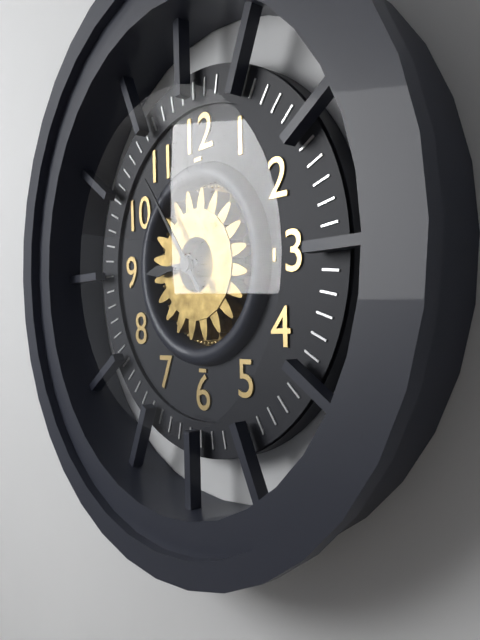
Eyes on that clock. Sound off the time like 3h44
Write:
8h54
